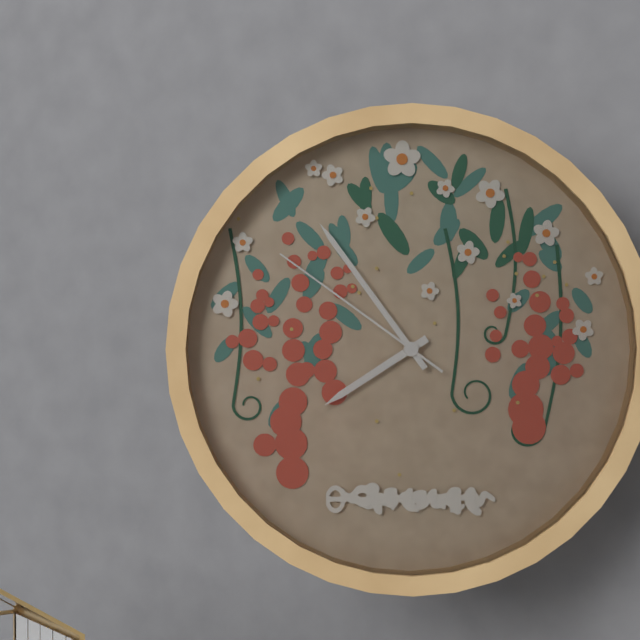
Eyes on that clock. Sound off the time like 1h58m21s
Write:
7h54m51s
